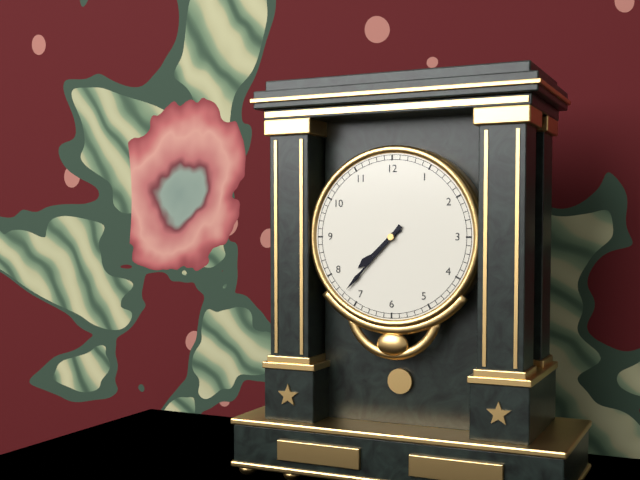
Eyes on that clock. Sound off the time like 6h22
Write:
7h37
